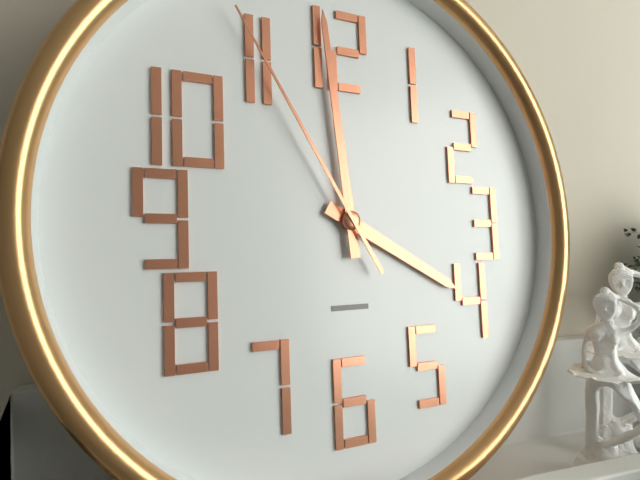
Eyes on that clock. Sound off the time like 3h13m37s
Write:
3h59m55s
